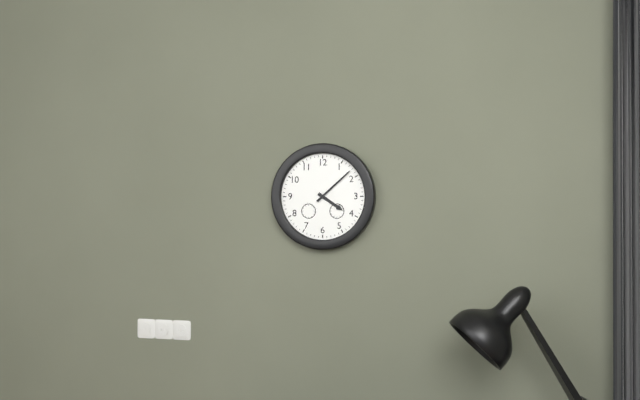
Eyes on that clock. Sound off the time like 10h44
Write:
4h08
